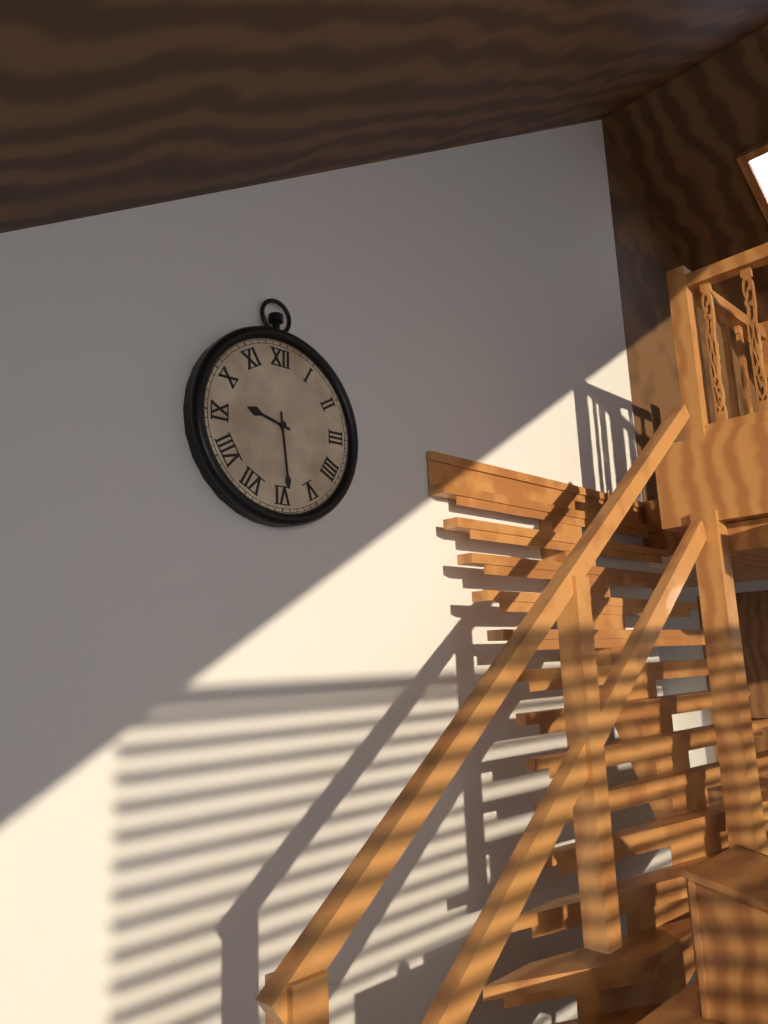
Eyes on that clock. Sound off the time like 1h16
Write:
9h29
